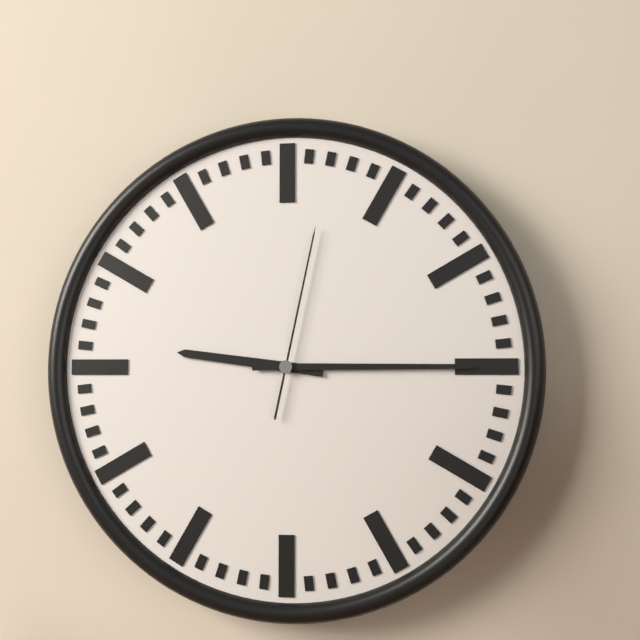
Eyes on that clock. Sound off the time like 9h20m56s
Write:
9h15m02s
